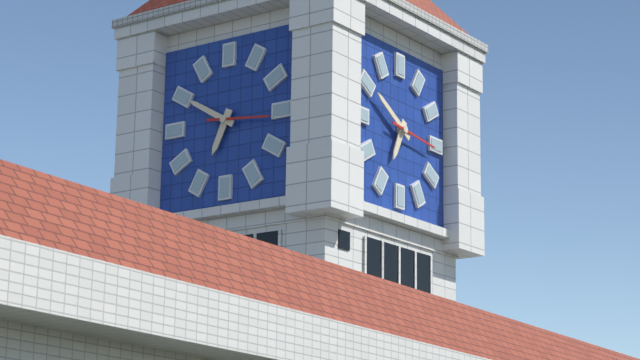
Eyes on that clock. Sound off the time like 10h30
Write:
6h50
